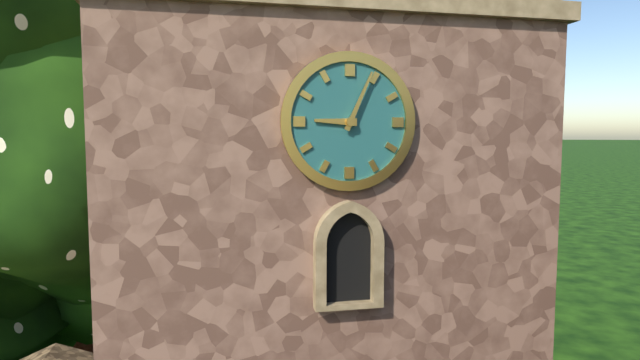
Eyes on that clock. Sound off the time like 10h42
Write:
9h04
